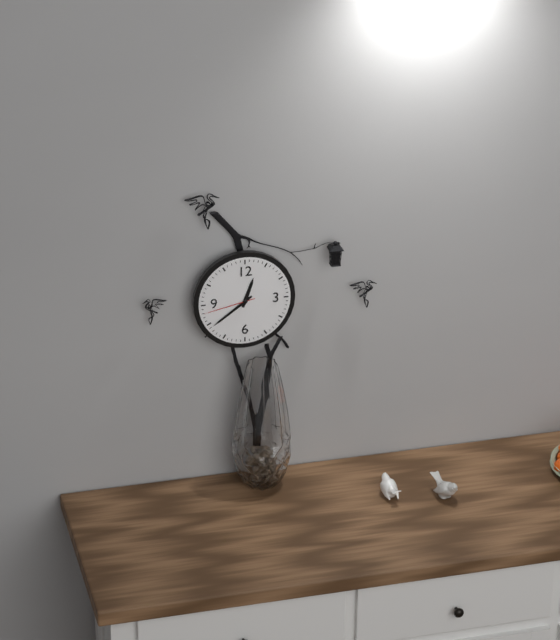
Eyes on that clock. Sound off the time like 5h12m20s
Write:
12h39m43s
